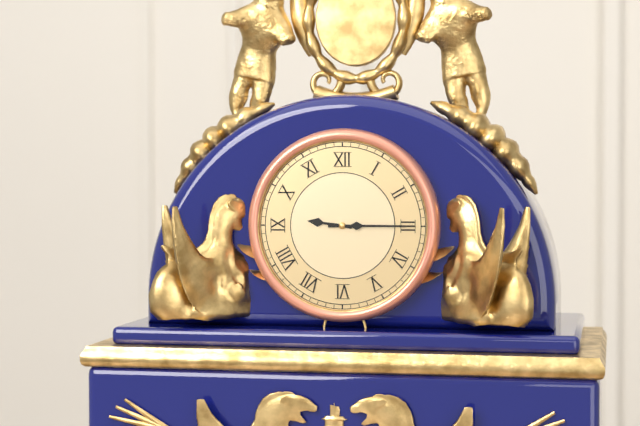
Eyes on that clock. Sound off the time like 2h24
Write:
9h15
